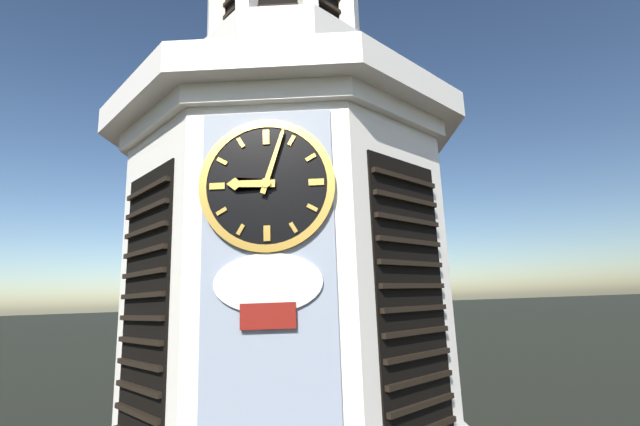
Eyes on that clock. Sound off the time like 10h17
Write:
9h03
